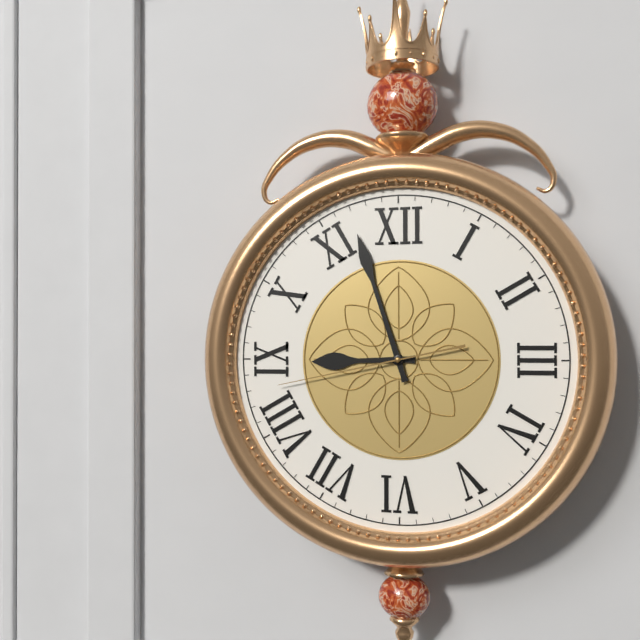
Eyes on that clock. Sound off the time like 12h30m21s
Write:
8h57m43s
